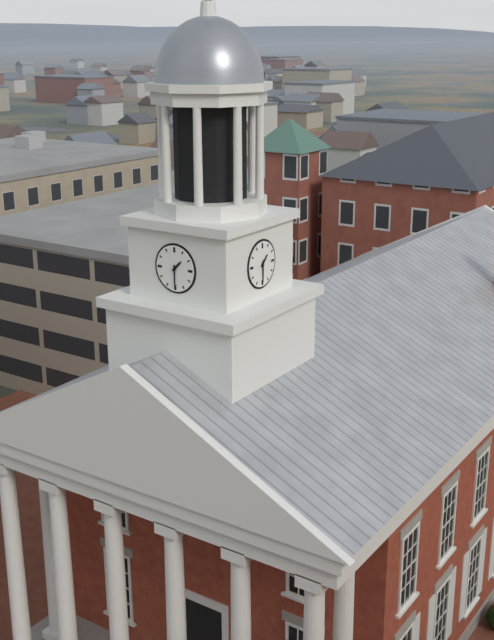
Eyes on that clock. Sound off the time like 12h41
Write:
1h30
